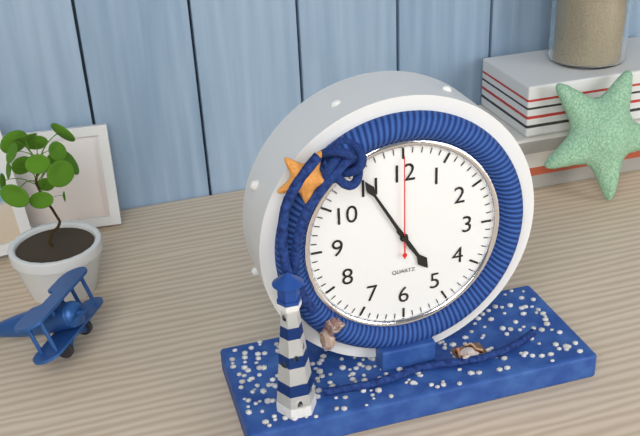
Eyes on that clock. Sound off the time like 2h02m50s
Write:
4h55m00s
